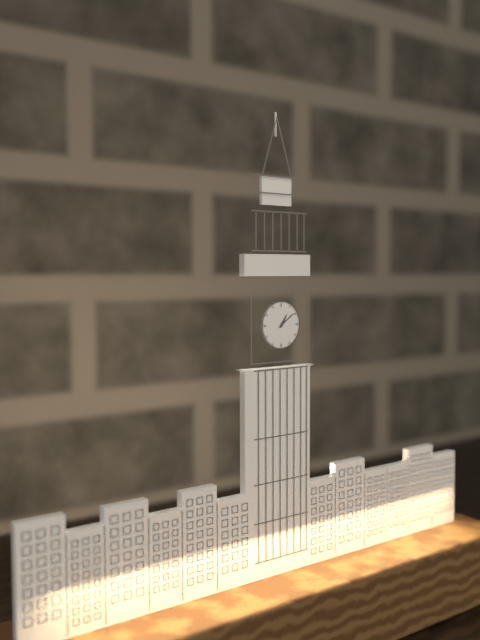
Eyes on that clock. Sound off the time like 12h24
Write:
1h09
